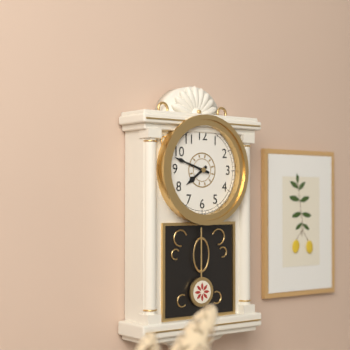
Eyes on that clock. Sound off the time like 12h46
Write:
7h48
